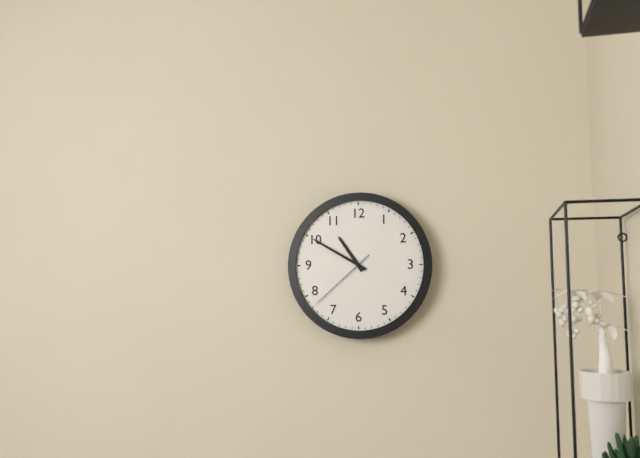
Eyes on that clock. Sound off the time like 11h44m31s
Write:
10h50m38s
